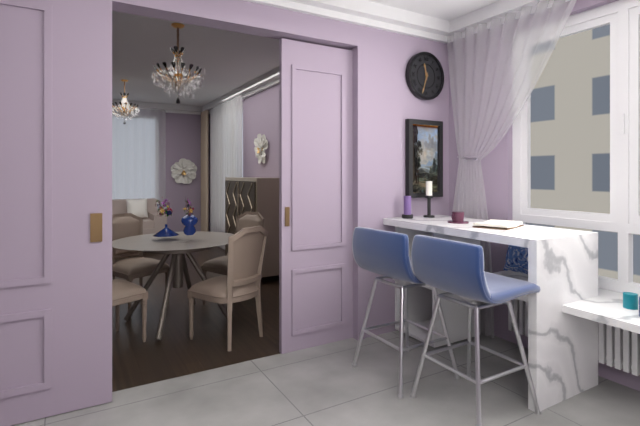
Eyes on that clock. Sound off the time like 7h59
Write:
11h33
